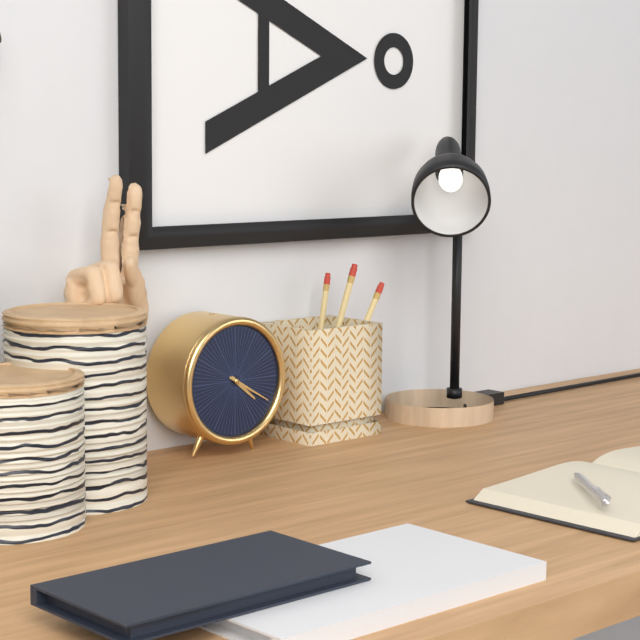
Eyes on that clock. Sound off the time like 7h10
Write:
4h20
